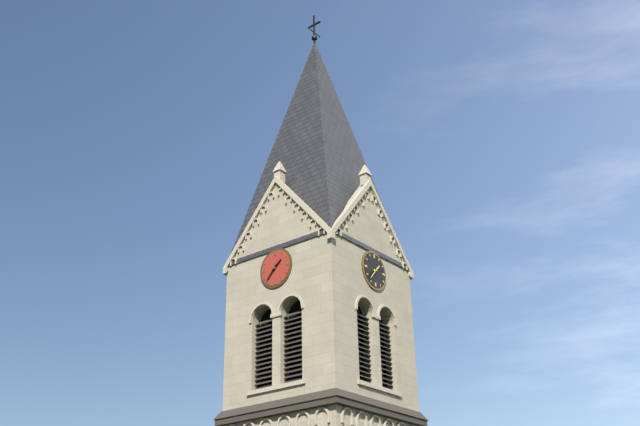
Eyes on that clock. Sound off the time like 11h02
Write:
1h37
